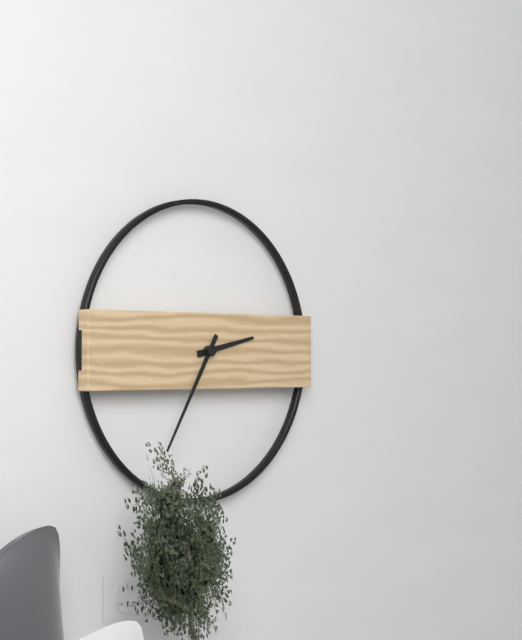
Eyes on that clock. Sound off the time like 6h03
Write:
2h35
